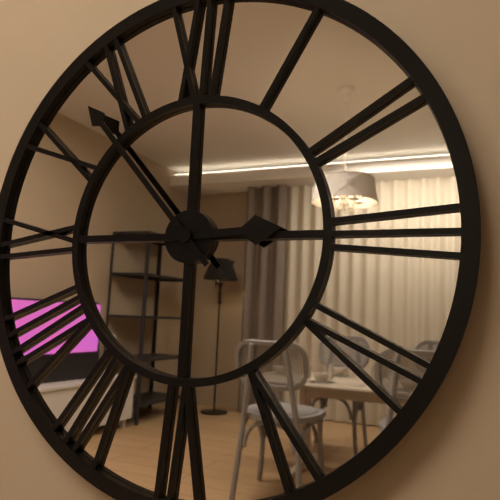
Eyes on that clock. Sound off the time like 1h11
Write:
2h53
